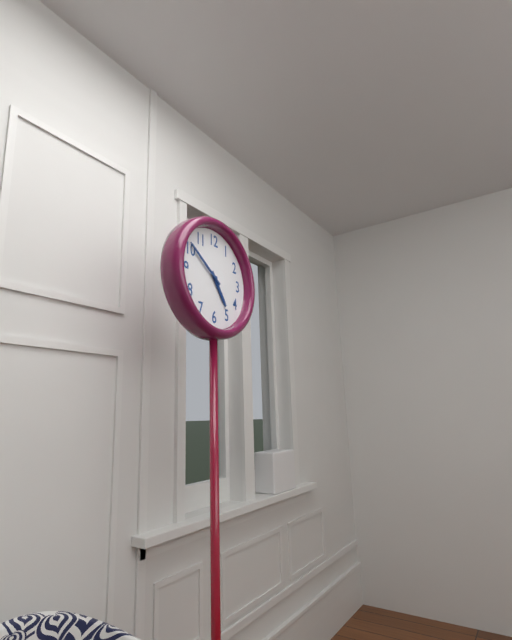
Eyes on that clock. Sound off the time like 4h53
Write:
4h51
